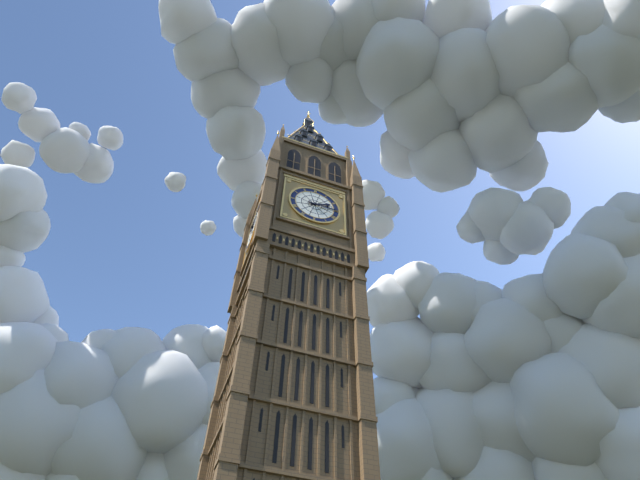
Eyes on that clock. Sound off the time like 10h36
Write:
2h15
